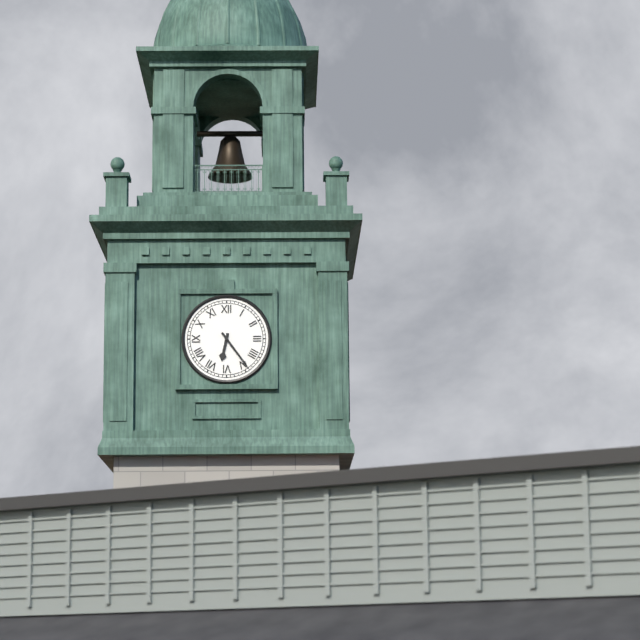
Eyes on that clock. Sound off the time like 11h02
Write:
6h24
